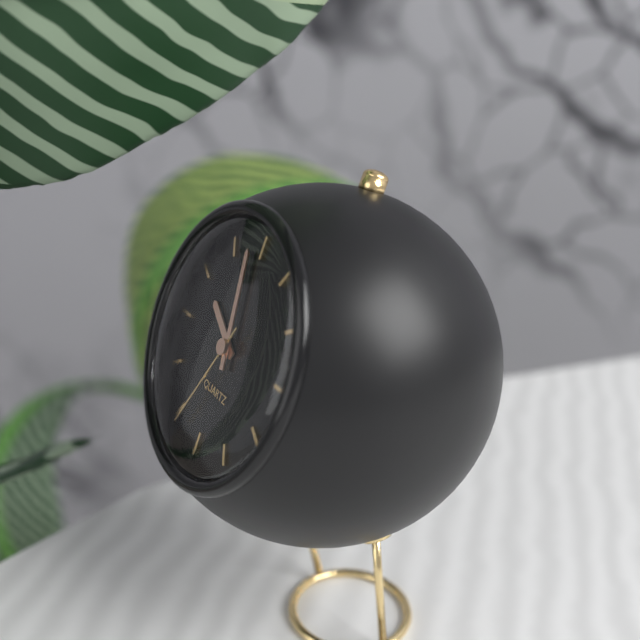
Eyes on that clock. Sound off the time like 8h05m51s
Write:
9h58m34s
